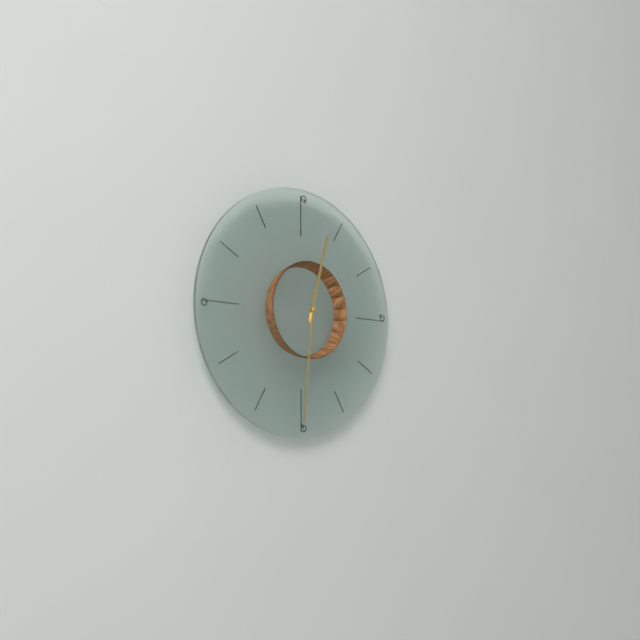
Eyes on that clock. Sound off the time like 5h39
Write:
12h31
